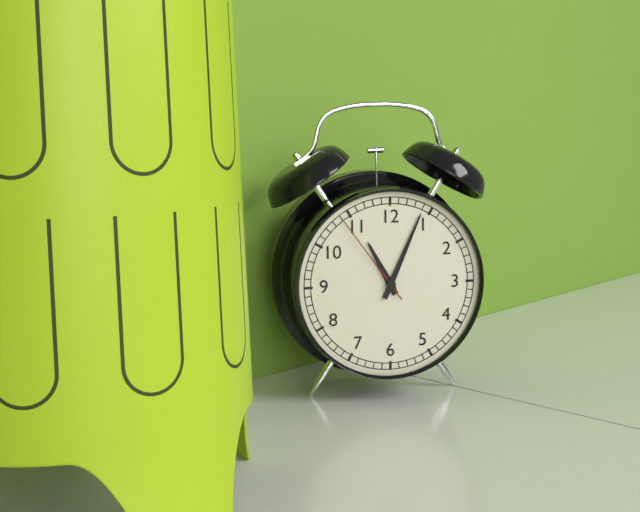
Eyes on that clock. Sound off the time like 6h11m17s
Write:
11h04m54s
